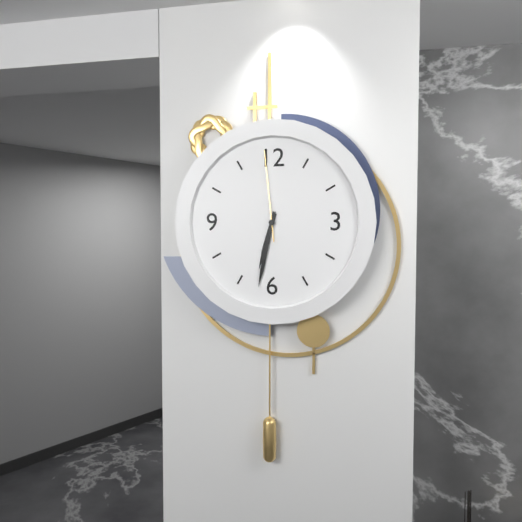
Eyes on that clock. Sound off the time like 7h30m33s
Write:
6h32m59s
